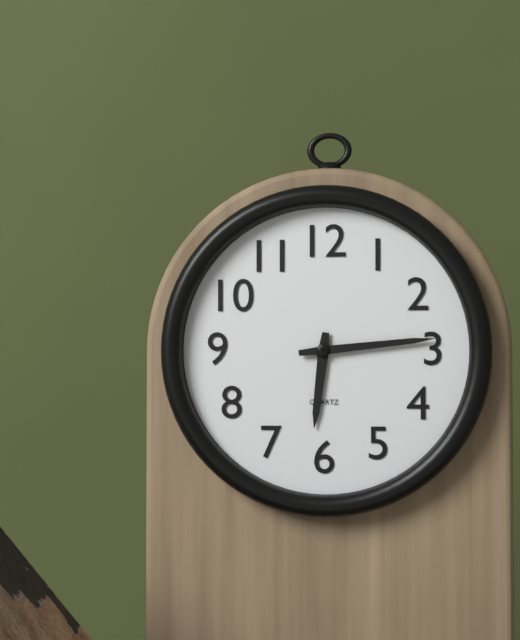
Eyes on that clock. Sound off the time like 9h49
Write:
6h14
